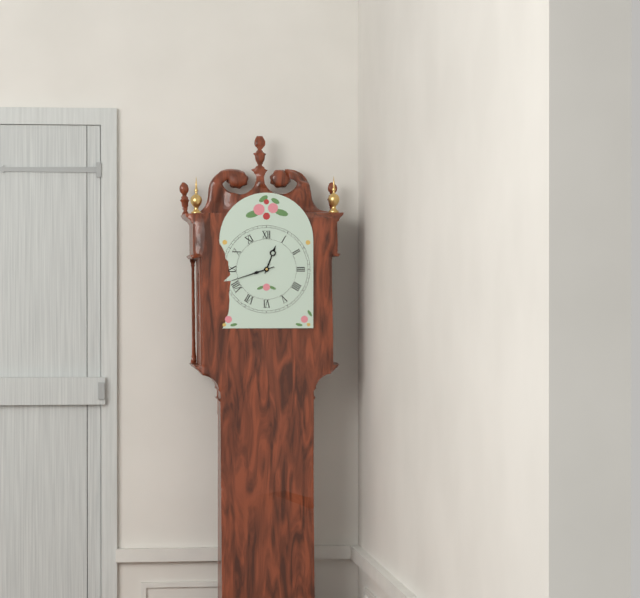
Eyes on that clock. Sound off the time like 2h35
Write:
12h42
